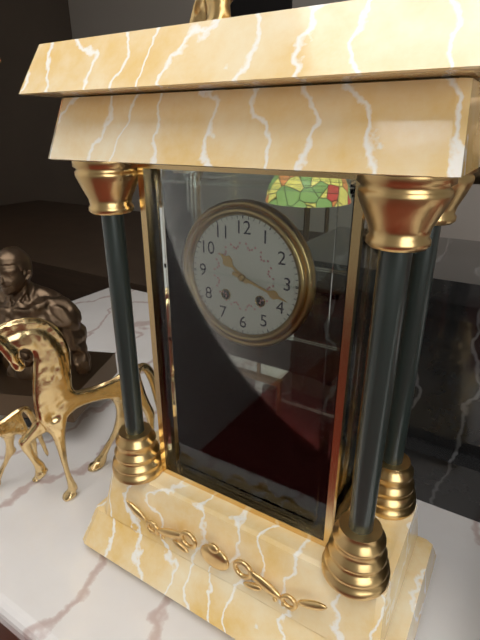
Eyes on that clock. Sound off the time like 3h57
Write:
10h18
